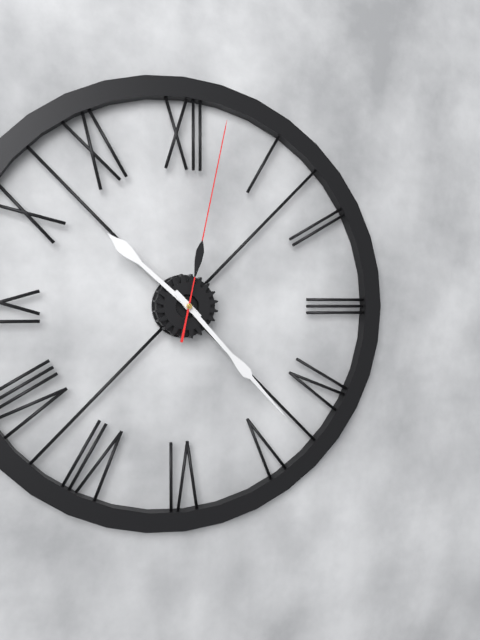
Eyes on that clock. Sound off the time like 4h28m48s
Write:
10h23m02s
